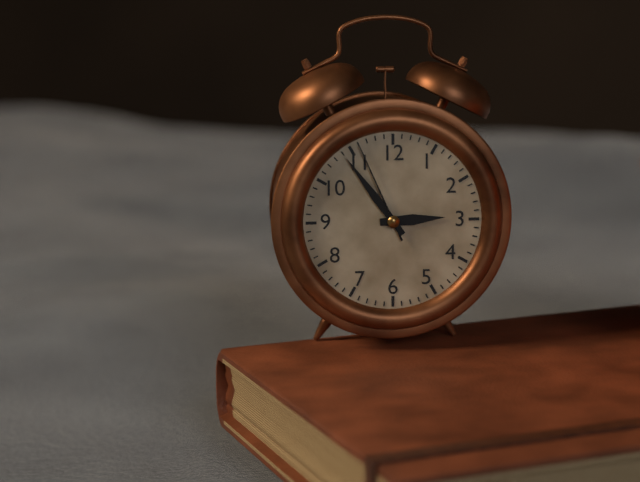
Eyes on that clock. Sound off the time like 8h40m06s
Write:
2h54m56s
